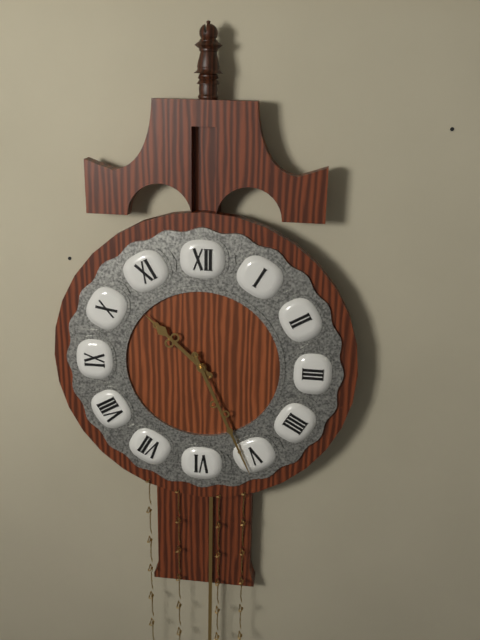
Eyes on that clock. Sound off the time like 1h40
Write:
10h26
